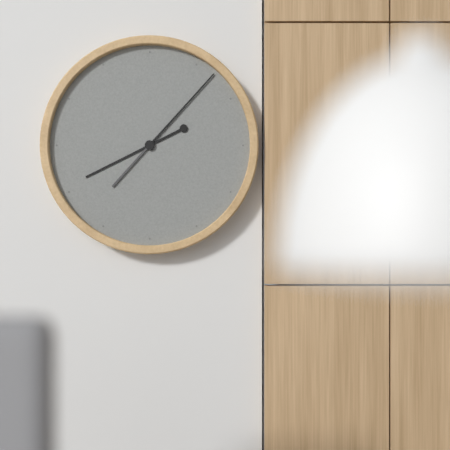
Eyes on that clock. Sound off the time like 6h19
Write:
8h07
